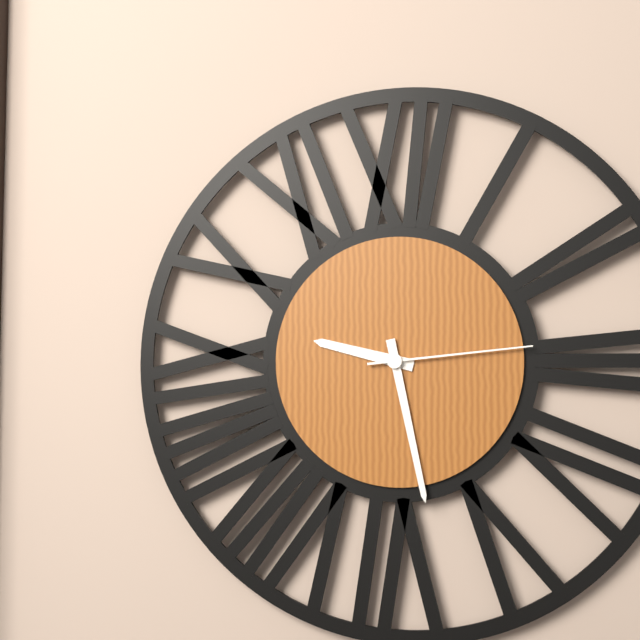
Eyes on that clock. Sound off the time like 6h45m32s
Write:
9h28m14s
